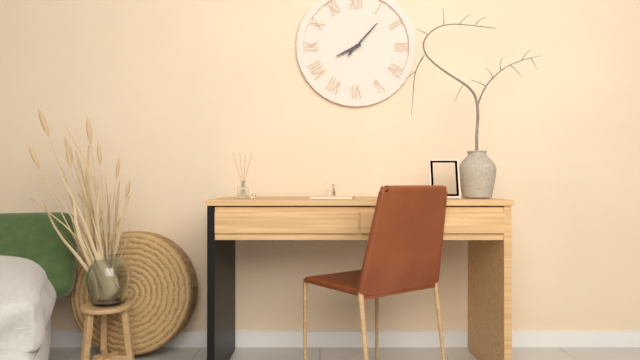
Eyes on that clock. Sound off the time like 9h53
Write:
8h07
